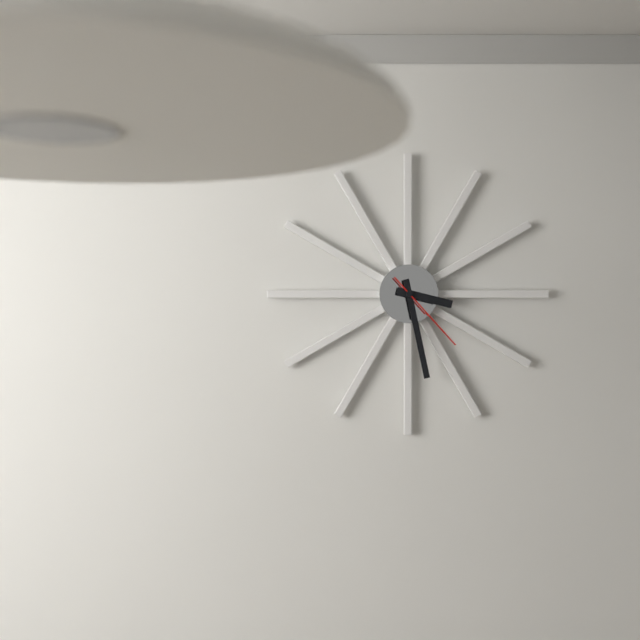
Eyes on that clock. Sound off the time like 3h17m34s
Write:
3h28m23s
